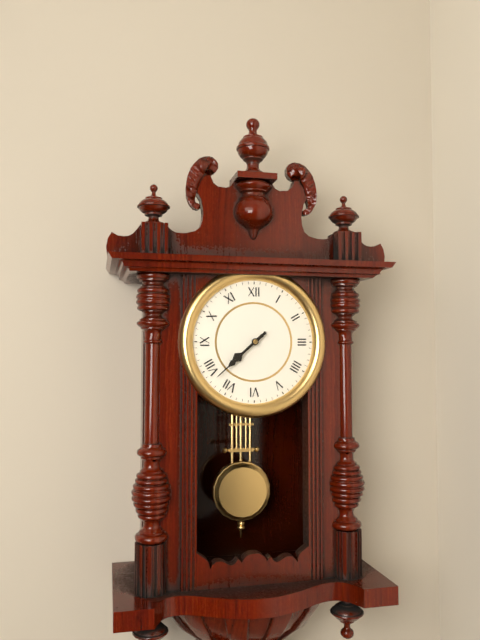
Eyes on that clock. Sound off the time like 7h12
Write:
7h38
